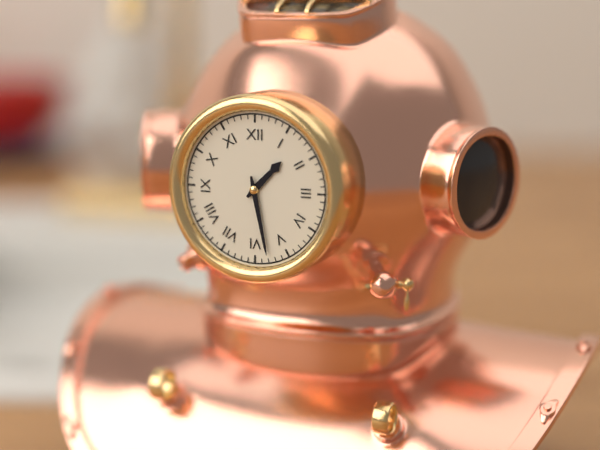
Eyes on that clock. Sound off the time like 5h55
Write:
1h28
